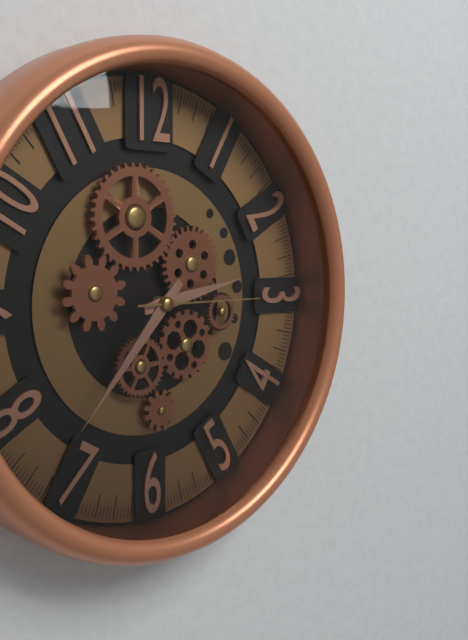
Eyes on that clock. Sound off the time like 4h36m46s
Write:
2h37m15s
